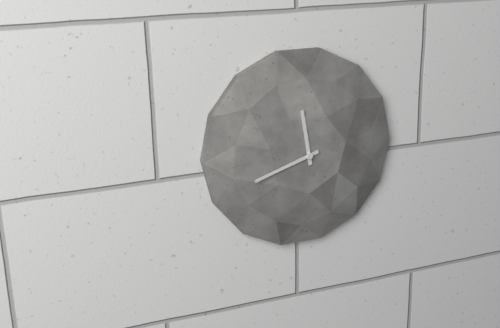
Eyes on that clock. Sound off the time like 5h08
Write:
11h42
